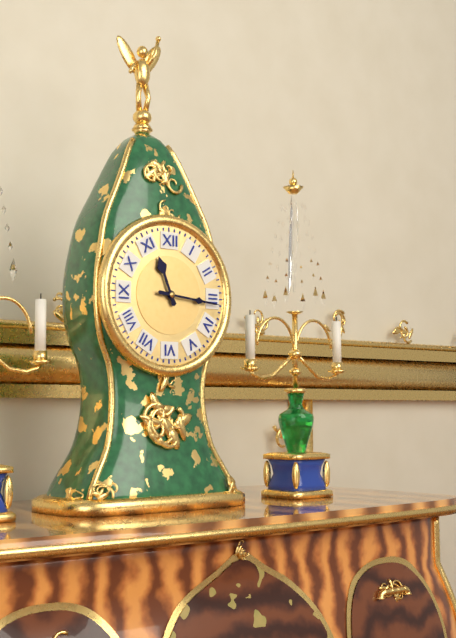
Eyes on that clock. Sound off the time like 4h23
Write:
11h16
